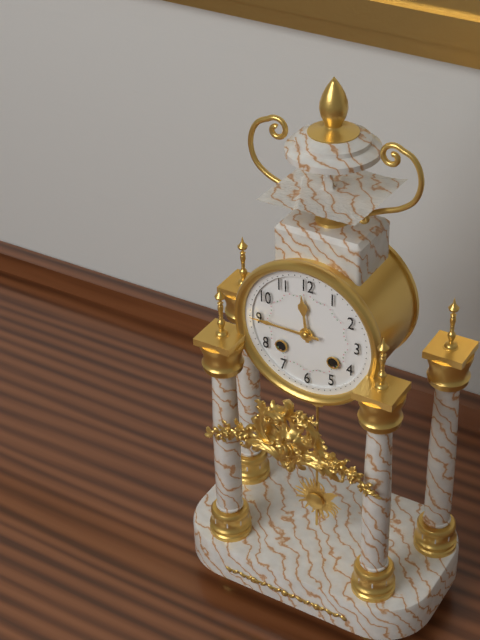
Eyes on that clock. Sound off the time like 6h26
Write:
11h45
